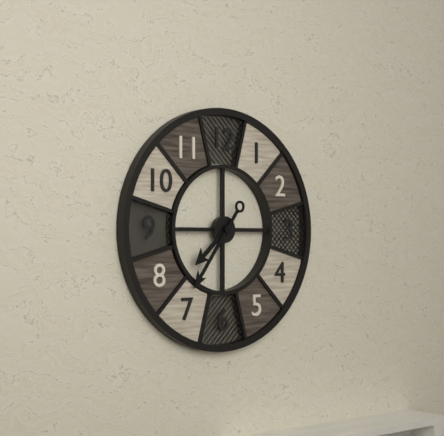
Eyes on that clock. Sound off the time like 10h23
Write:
7h36
